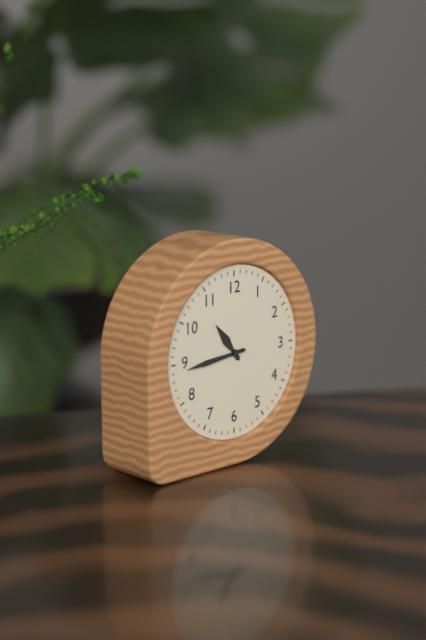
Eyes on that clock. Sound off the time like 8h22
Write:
10h44
